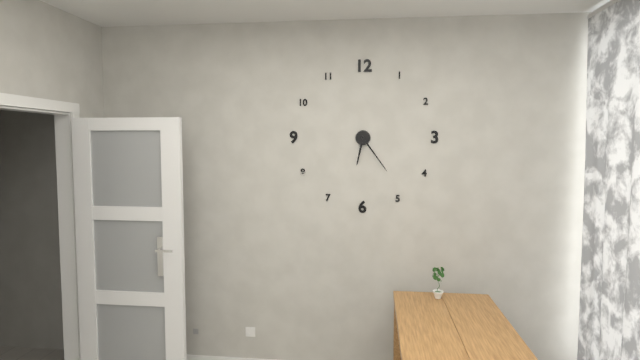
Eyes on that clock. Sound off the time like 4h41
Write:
6h24
